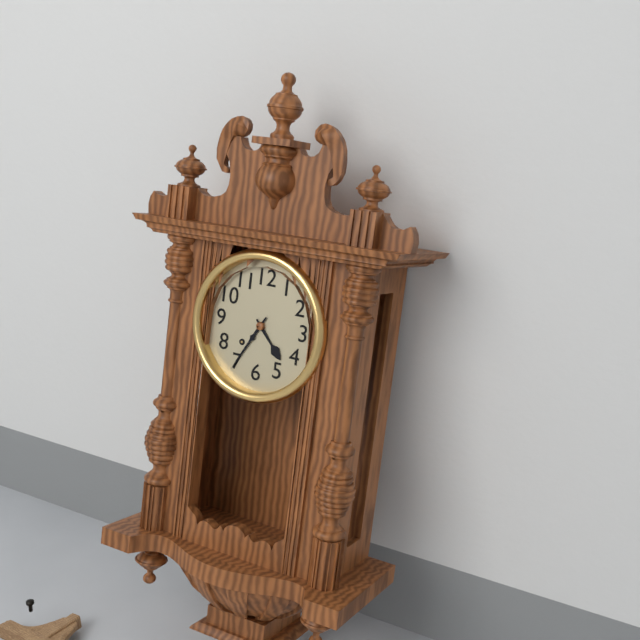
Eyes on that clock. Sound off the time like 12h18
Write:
4h35
